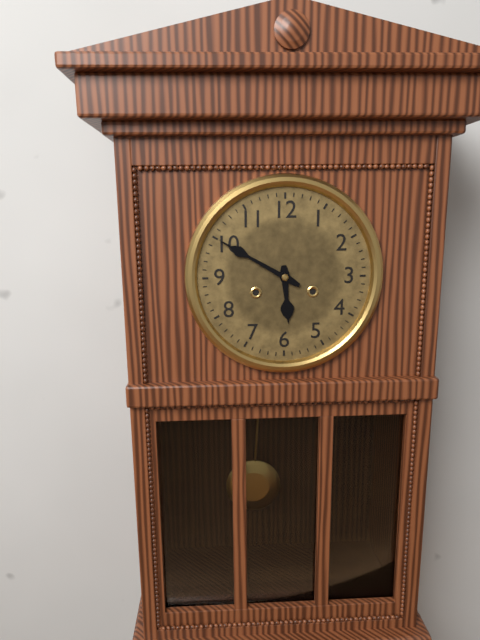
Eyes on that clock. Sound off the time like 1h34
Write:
5h50
